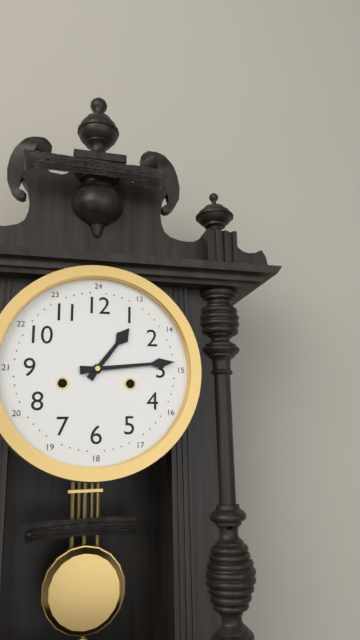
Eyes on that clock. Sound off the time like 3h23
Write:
1h14
